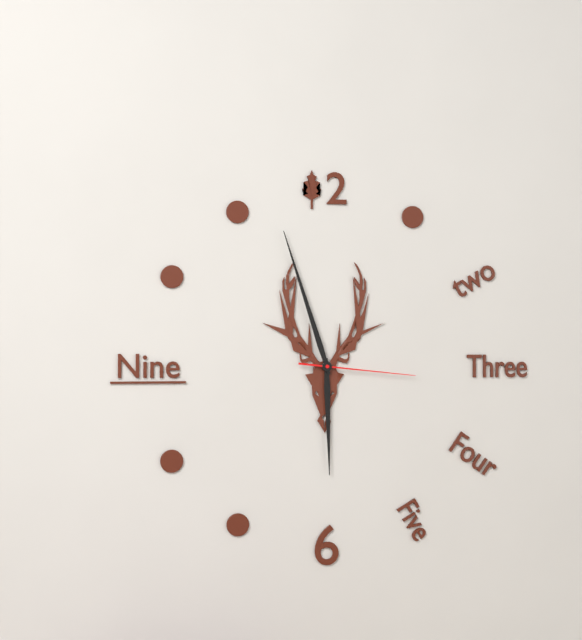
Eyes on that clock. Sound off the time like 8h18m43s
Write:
5h57m16s
